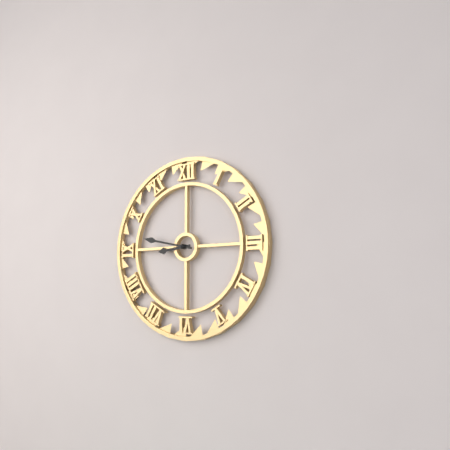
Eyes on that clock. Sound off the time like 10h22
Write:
8h47
